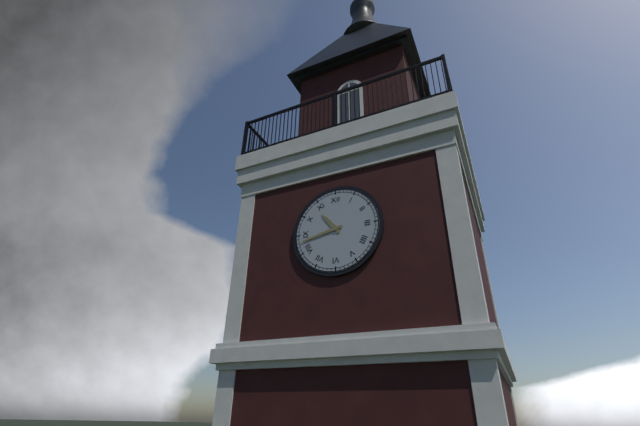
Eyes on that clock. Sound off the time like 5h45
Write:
10h43
